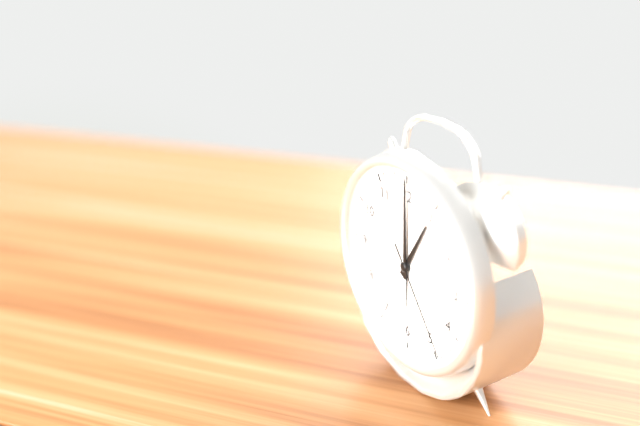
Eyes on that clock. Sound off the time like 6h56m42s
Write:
1h00m24s
